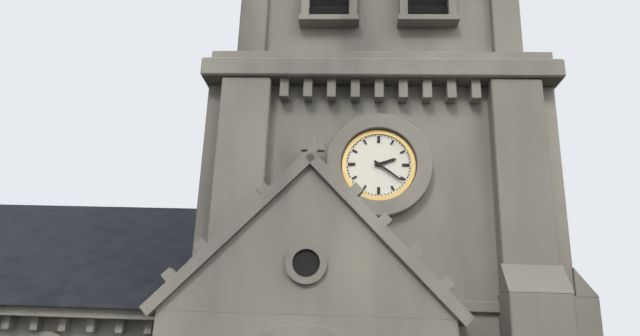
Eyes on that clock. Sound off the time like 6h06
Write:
2h21
